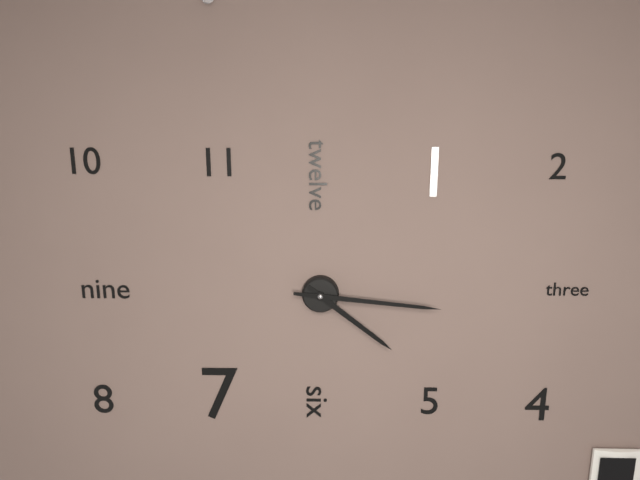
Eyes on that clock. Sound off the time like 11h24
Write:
4h16
